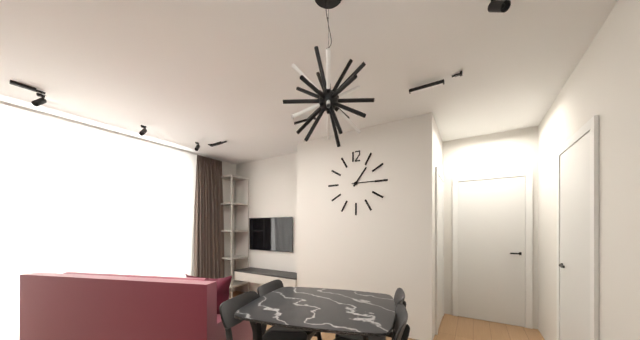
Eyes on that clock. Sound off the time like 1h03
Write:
1h15
